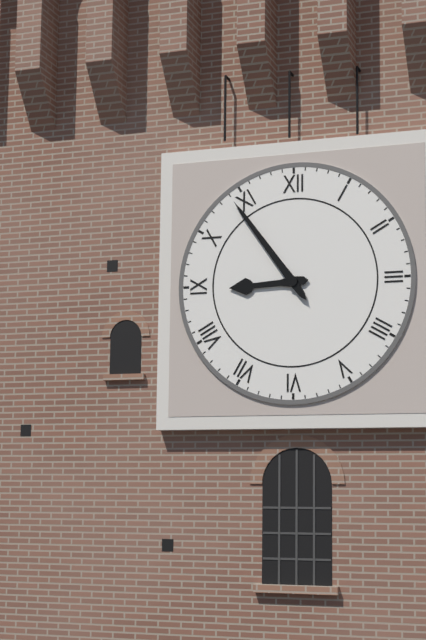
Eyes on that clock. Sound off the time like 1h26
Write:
8h54
